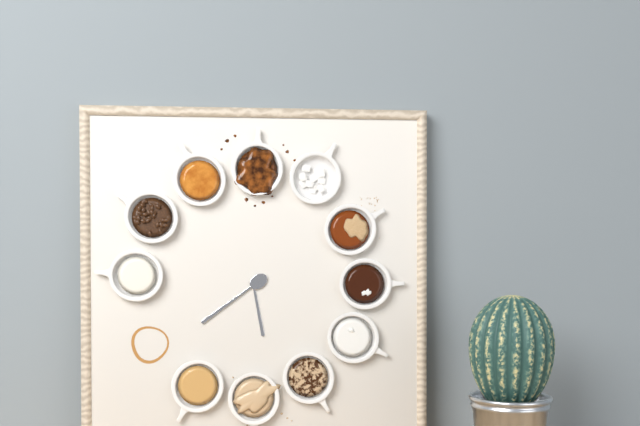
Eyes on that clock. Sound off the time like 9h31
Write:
5h39
